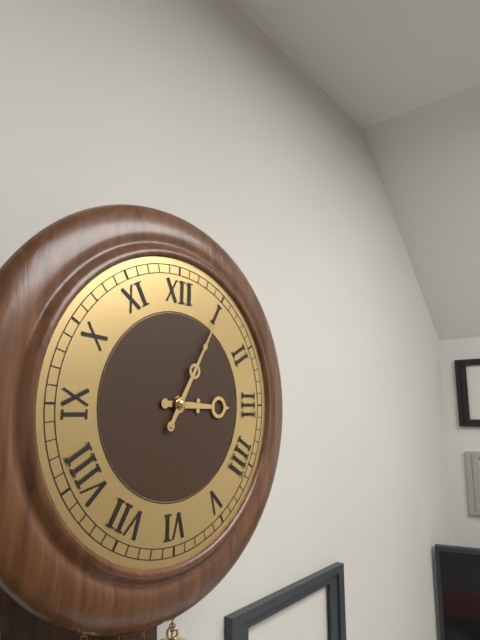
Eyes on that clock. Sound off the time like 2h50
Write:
3h05
